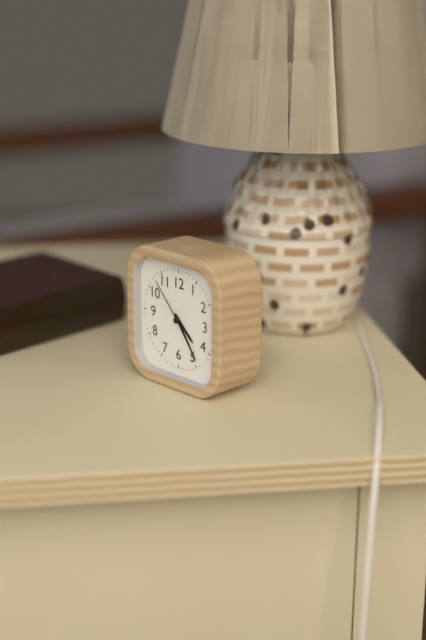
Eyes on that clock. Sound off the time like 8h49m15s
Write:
4h24m53s
